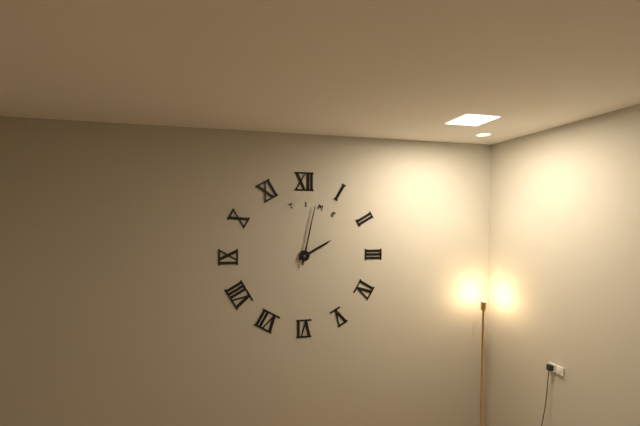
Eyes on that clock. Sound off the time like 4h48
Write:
2h02
